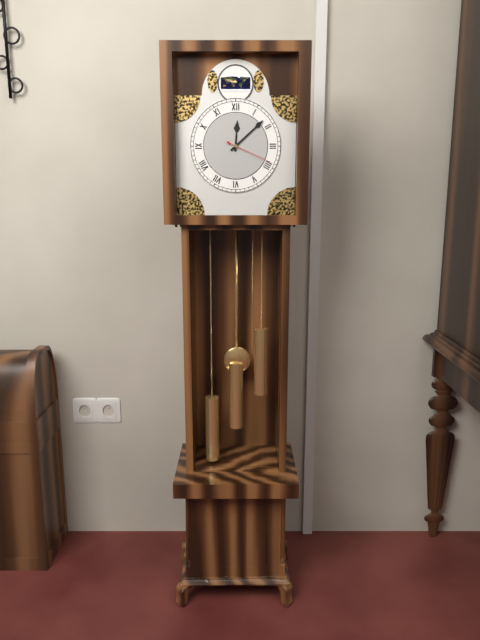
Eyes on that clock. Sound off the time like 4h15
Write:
12h08
